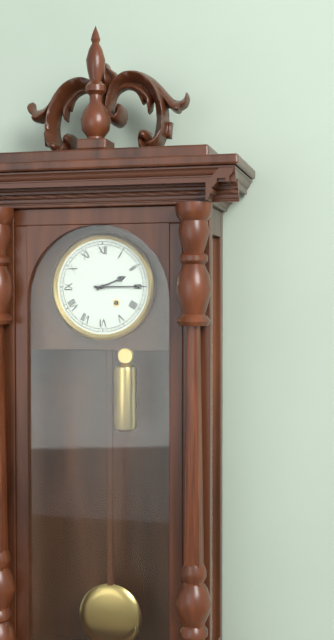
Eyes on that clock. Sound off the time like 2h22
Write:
2h15
